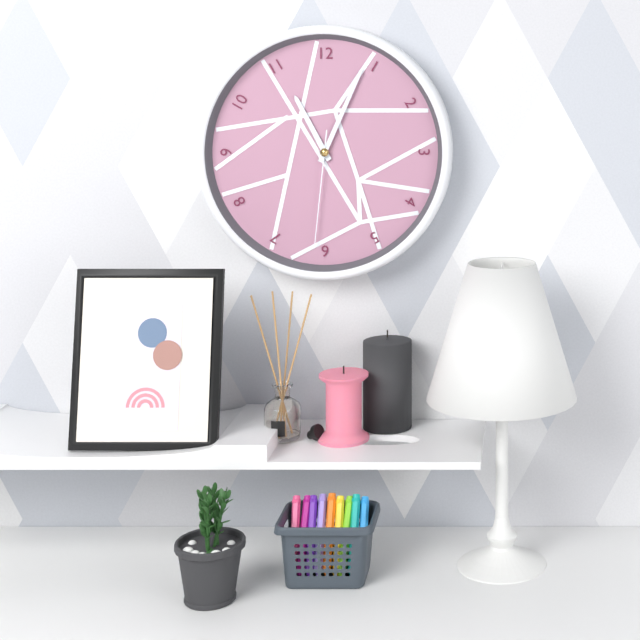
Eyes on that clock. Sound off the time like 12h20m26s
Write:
11h04m31s
